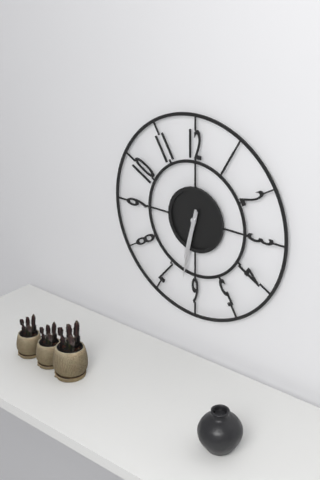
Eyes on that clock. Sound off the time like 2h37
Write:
6h32
